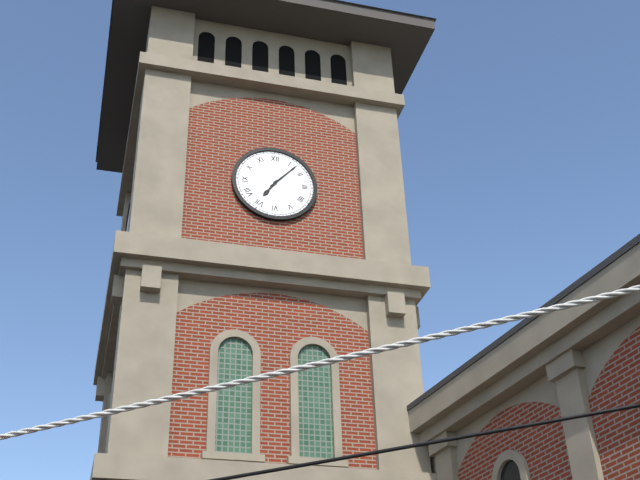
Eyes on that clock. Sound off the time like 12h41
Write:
7h07
